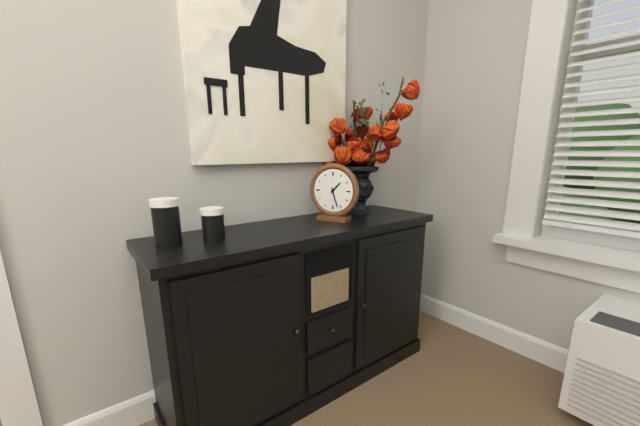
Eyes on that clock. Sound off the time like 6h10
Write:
1h27
